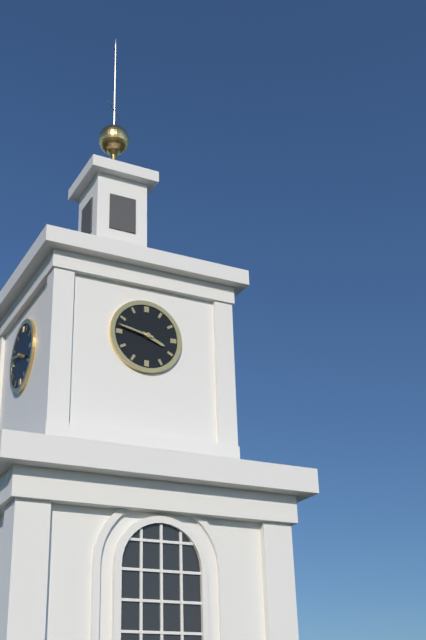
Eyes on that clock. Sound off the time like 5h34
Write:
3h47
